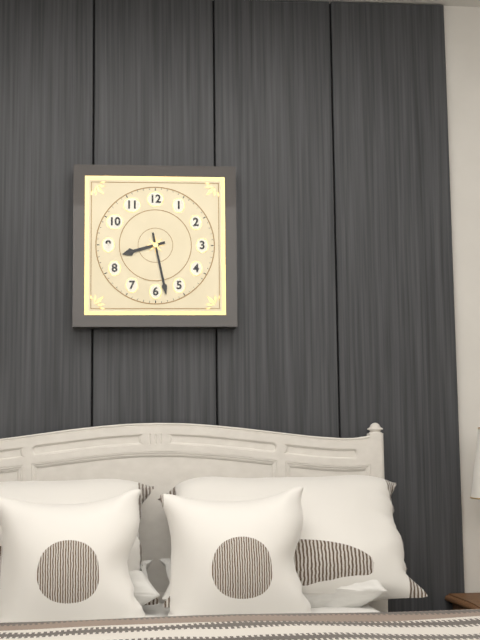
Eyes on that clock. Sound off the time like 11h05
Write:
8h28
